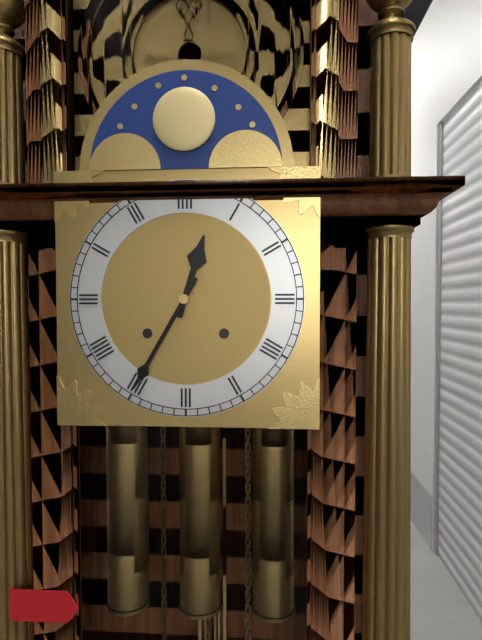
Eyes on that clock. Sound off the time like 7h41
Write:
12h35
